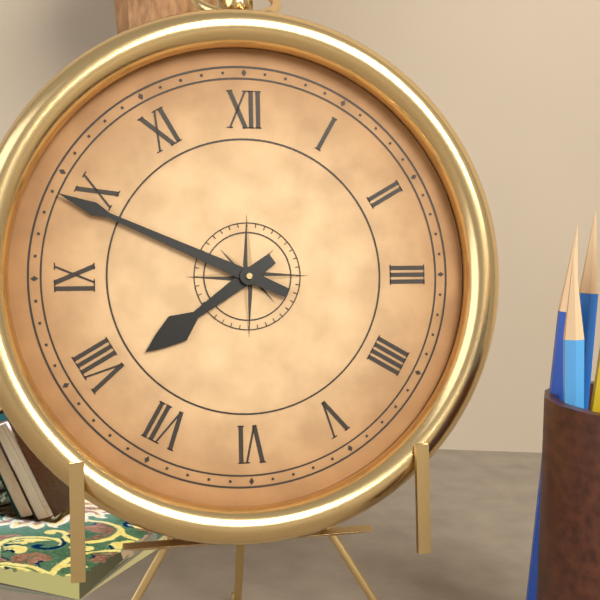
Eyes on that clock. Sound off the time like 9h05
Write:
7h49
